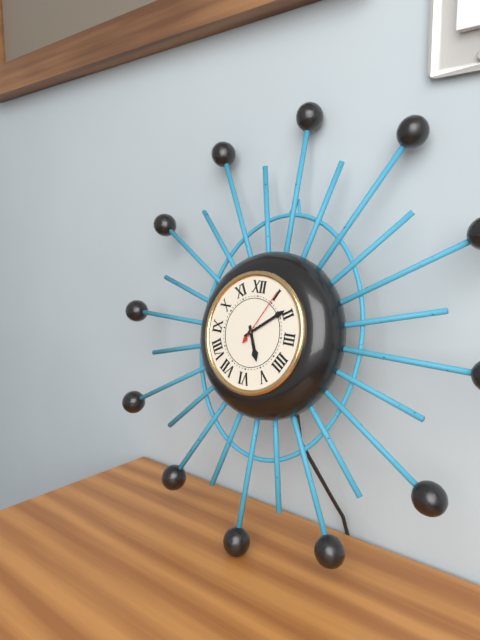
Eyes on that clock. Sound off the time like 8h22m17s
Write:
5h09m05s
